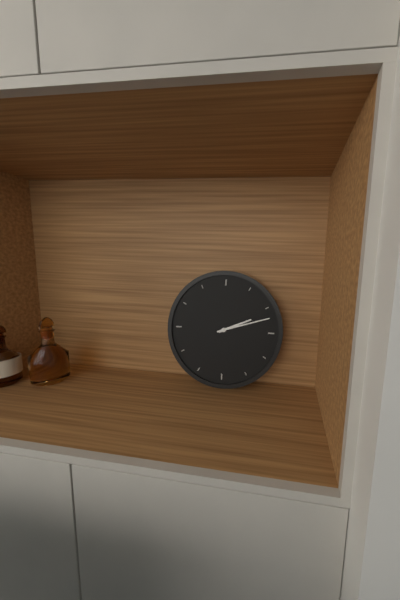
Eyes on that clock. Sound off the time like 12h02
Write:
2h12
